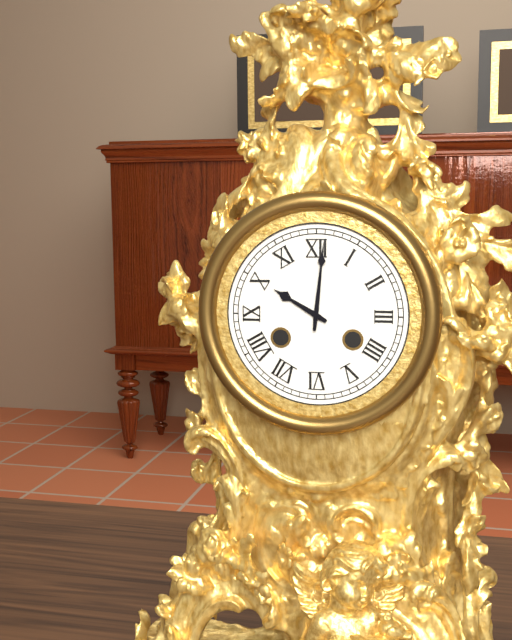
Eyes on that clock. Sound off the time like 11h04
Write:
10h01
